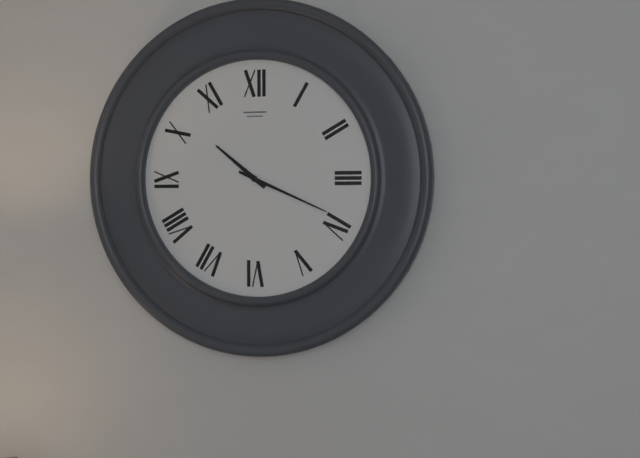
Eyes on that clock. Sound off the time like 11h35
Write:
10h19
